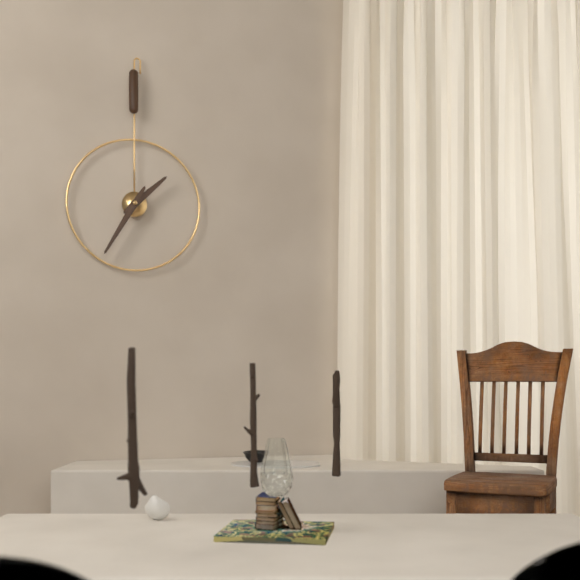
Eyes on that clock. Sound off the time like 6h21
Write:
1h35
